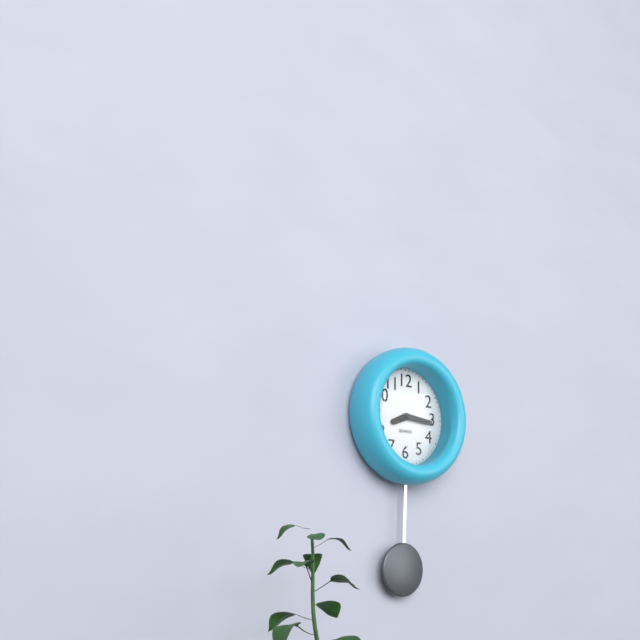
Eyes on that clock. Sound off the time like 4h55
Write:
8h16
